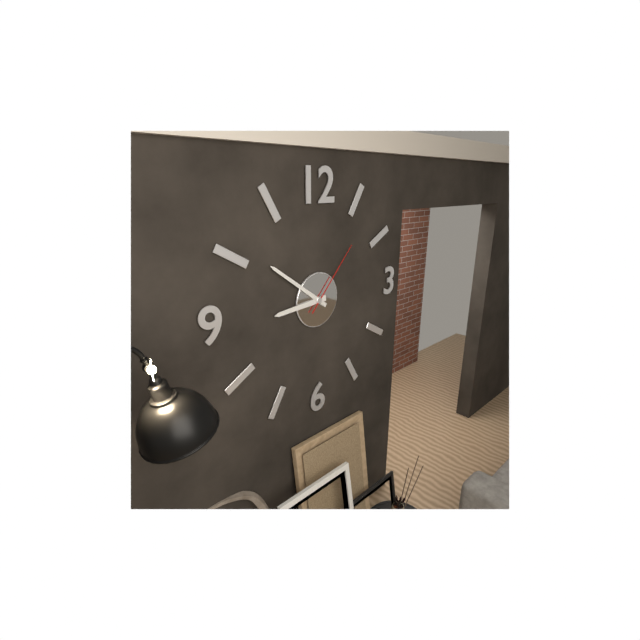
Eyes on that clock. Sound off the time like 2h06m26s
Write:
8h51m07s
